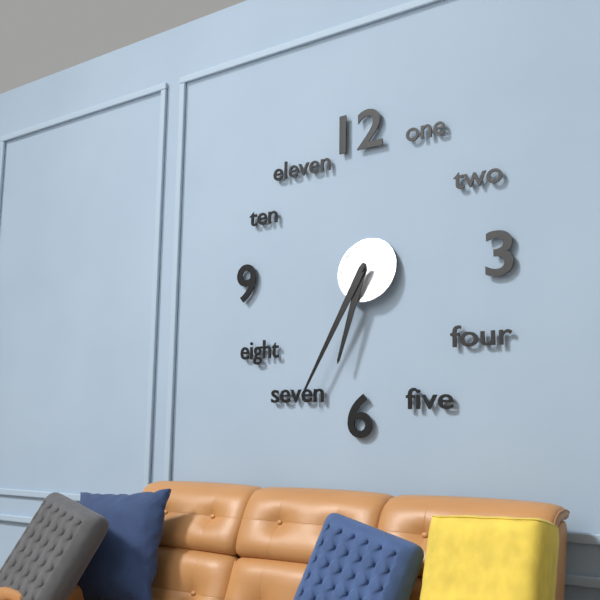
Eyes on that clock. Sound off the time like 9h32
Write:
6h35
